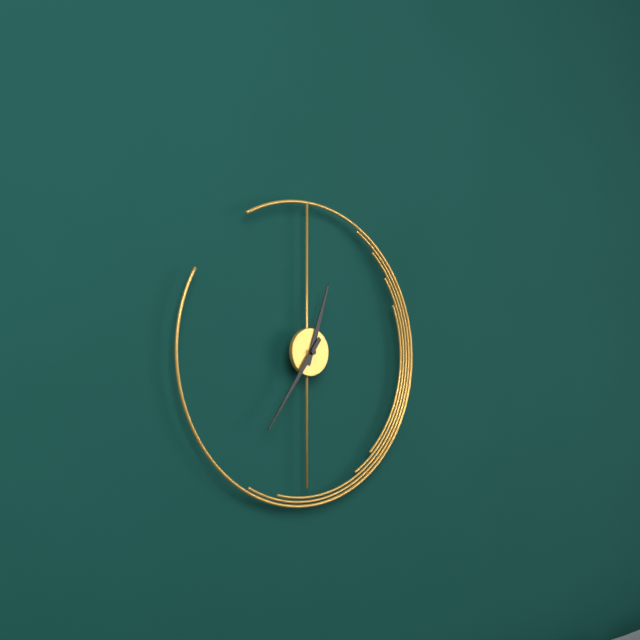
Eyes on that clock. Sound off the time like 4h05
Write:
12h36
